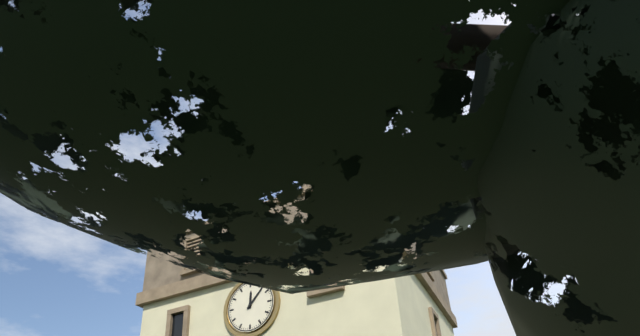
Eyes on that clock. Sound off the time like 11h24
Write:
12h07
